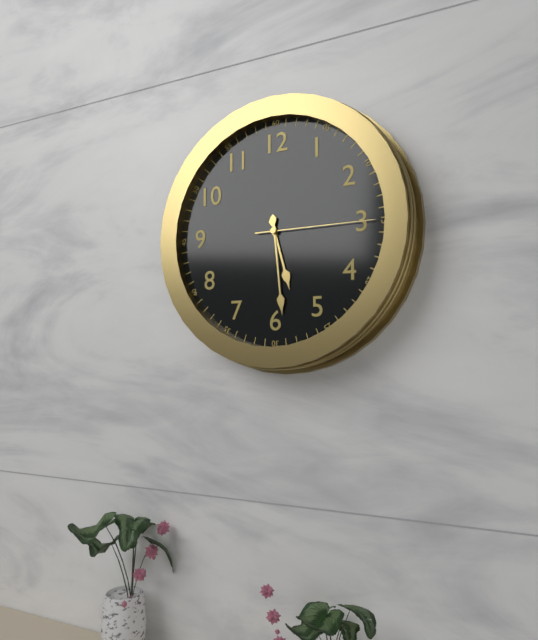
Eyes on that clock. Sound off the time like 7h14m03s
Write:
5h29m15s
